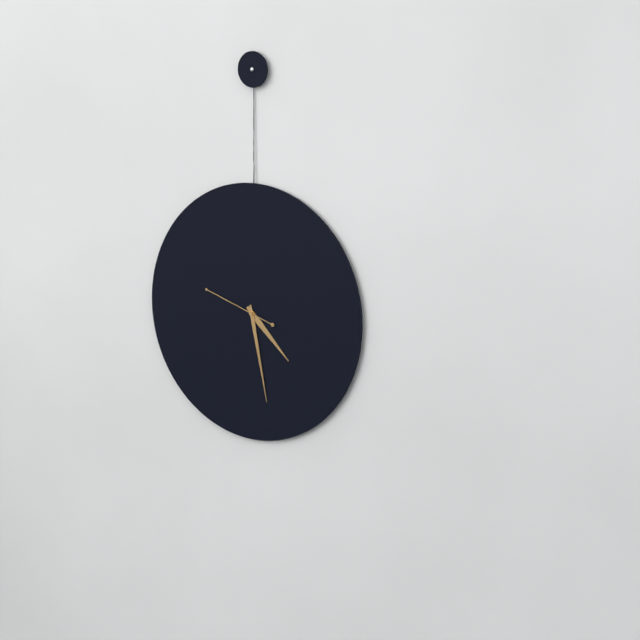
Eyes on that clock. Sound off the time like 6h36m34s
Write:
4h28m48s
